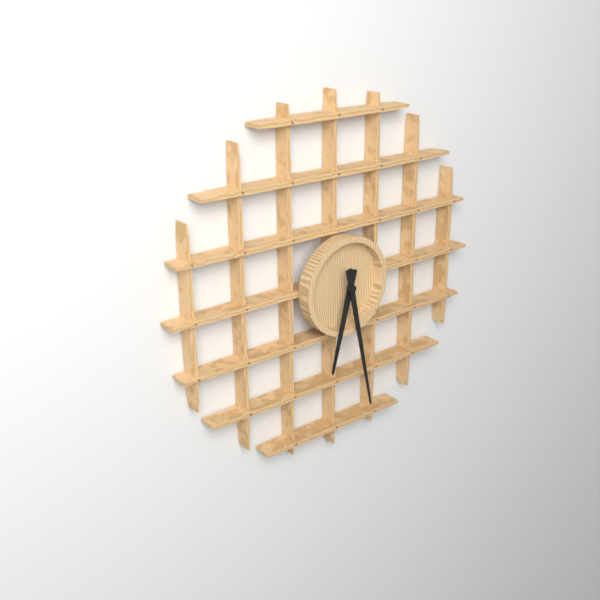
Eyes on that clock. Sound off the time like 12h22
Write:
6h28
